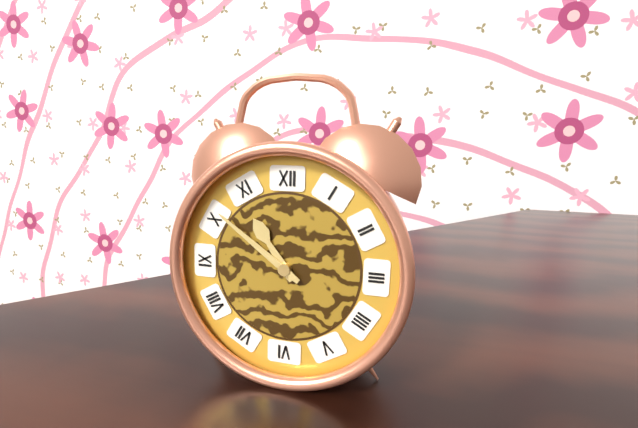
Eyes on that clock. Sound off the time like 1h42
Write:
10h51
